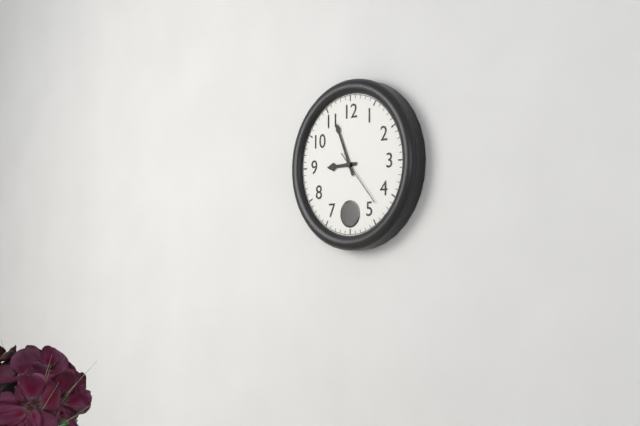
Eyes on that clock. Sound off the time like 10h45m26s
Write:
8h56m23s
